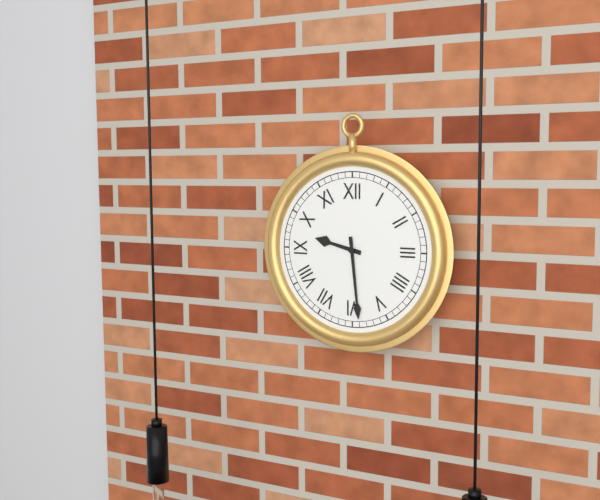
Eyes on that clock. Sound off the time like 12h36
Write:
9h29
